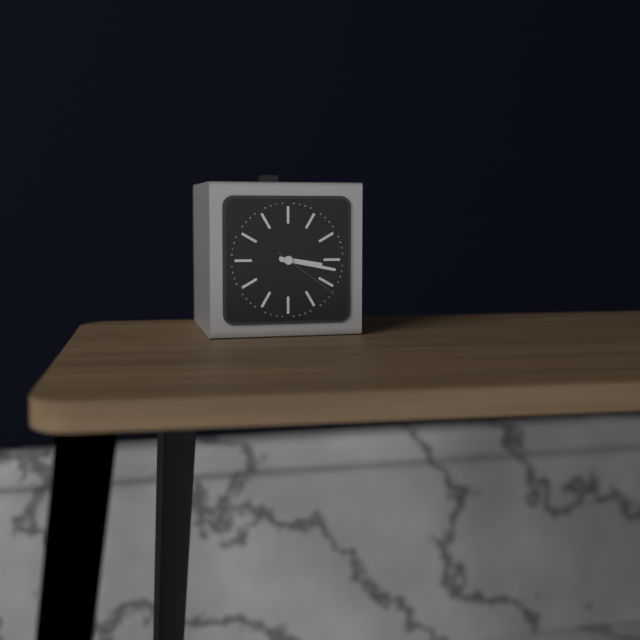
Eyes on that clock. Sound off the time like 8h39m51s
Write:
3h17m21s
